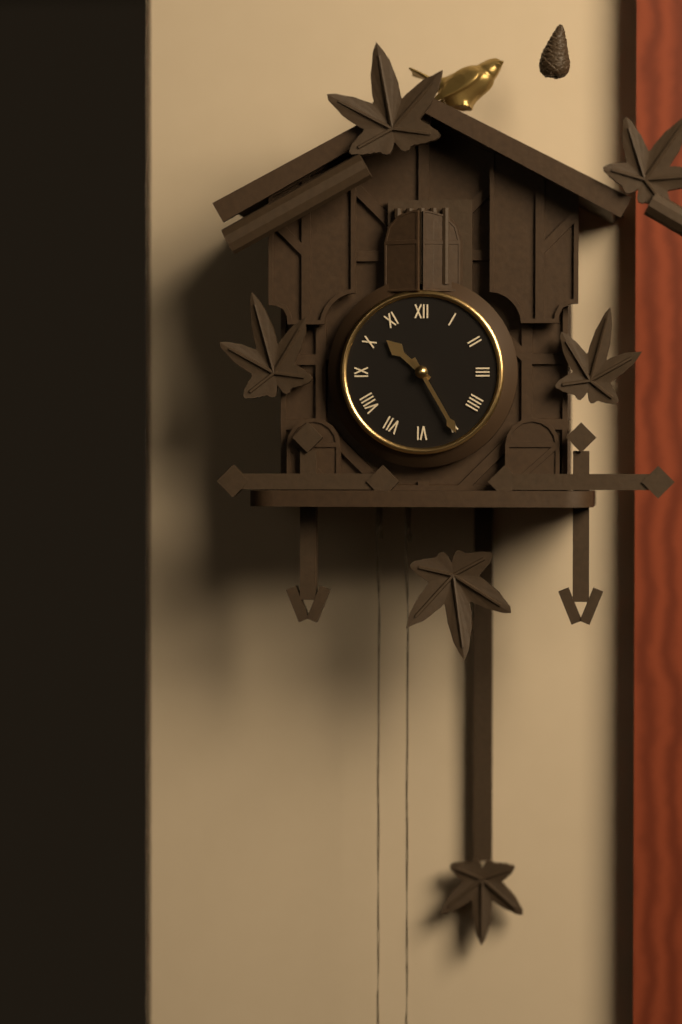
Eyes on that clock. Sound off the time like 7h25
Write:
10h25
